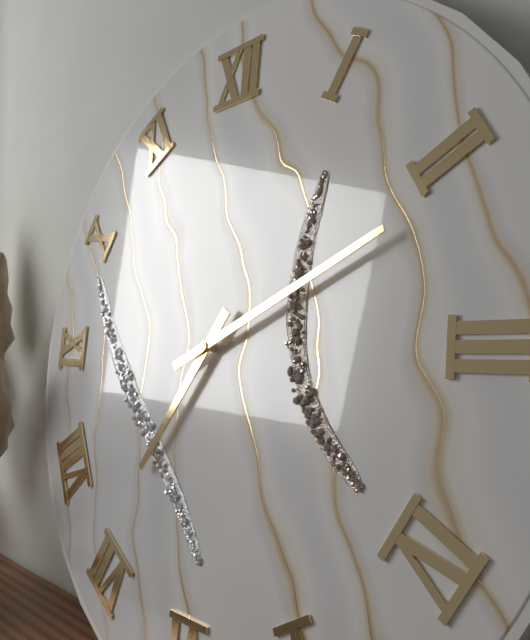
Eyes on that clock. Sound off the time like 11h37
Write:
7h11
